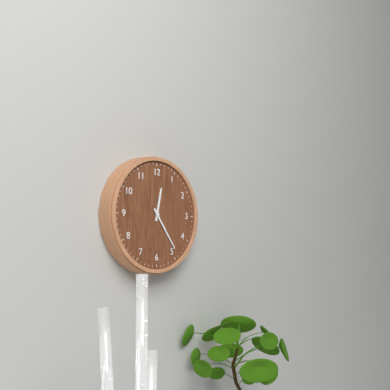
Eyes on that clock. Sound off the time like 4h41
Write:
12h24
